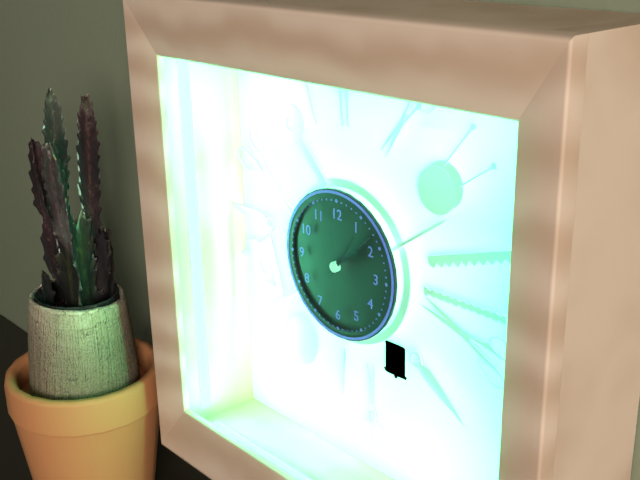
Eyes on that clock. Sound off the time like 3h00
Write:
1h08
